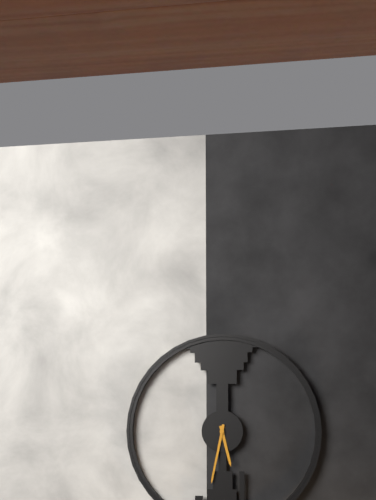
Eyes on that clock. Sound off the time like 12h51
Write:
5h32
